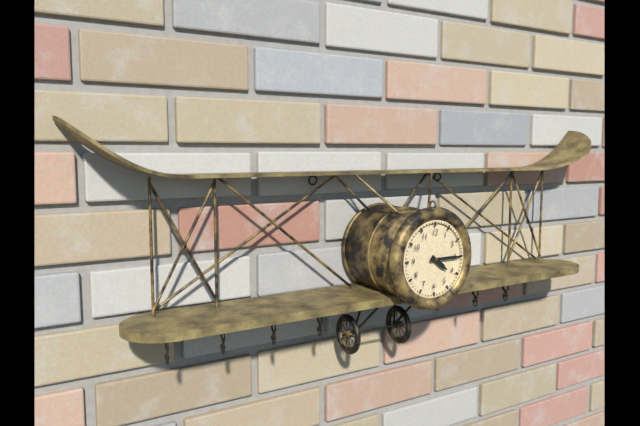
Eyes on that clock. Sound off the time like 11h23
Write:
4h15
